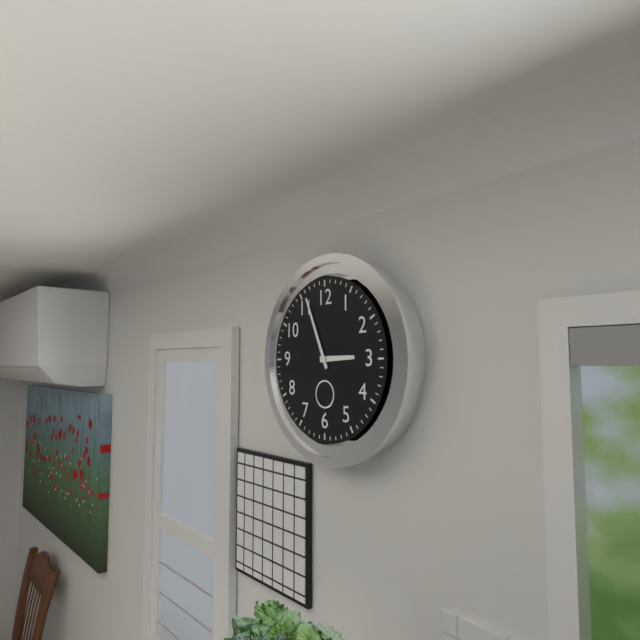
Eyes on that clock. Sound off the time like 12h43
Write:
2h56
